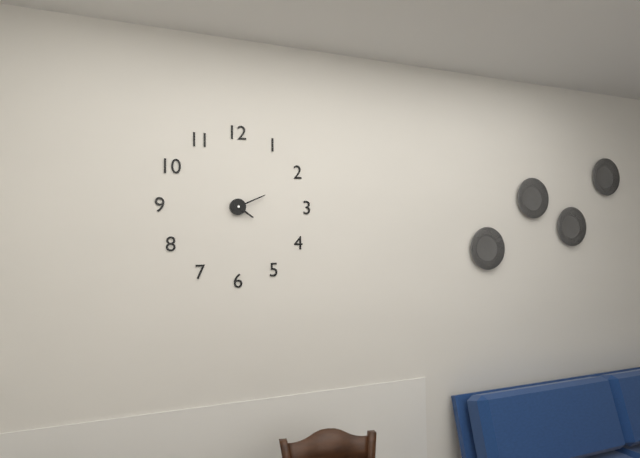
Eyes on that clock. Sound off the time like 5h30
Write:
4h11
